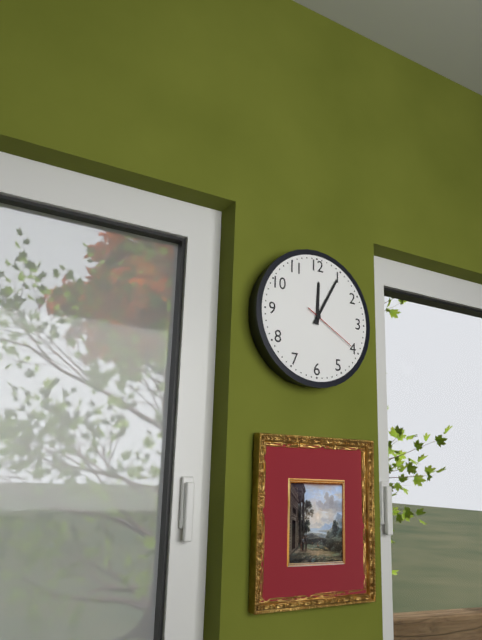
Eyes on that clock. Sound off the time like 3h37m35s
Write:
12h05m20s
